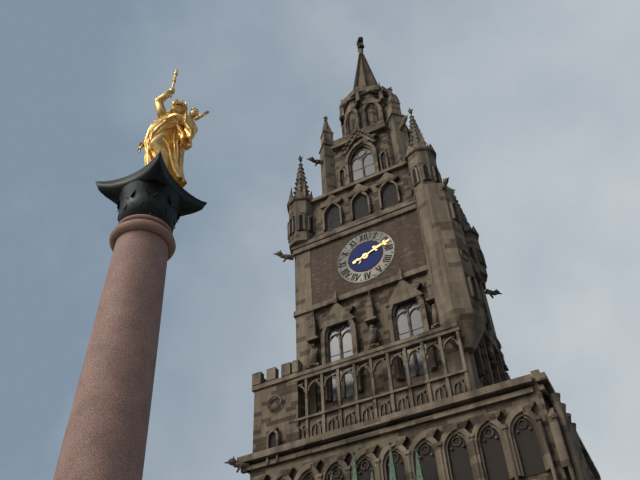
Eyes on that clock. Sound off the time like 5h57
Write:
2h12
